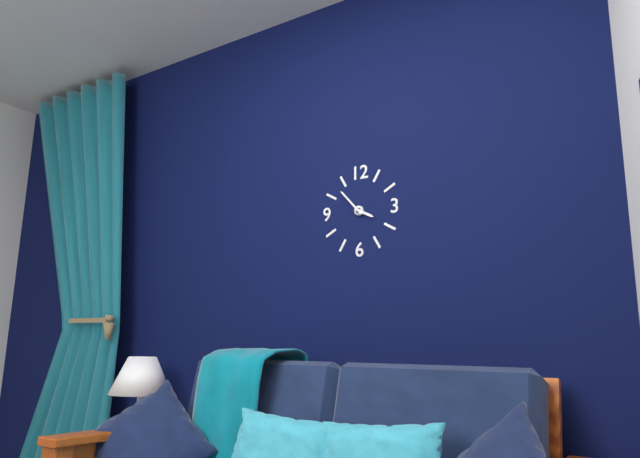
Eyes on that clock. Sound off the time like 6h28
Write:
3h53
